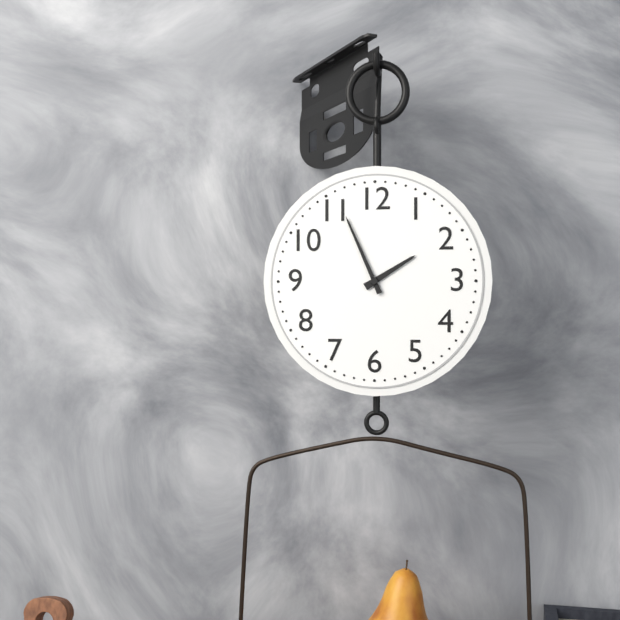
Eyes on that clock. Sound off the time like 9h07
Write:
1h56
